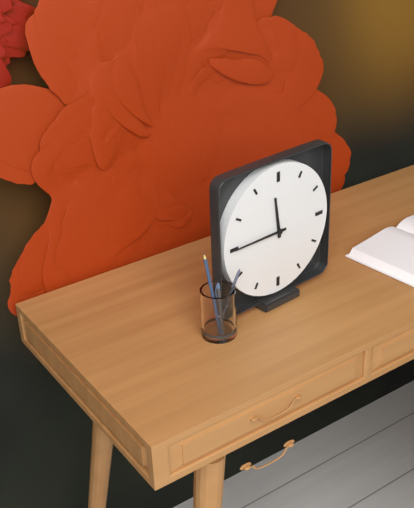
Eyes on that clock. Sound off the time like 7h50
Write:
11h45
